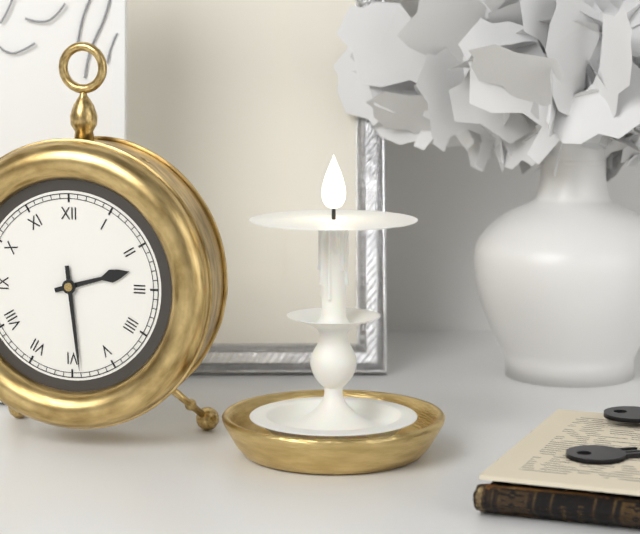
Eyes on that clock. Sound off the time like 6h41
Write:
2h29
